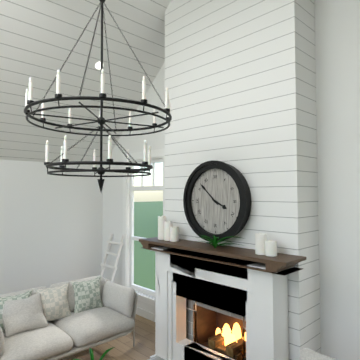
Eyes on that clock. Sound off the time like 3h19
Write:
3h52
